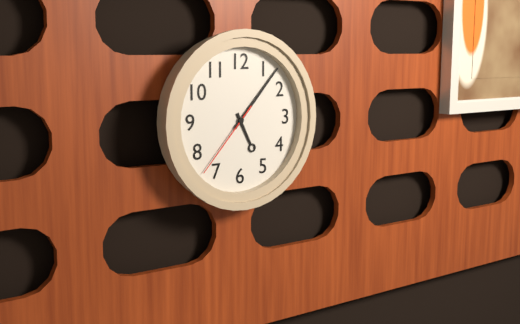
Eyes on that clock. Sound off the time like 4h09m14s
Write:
5h07m37s
